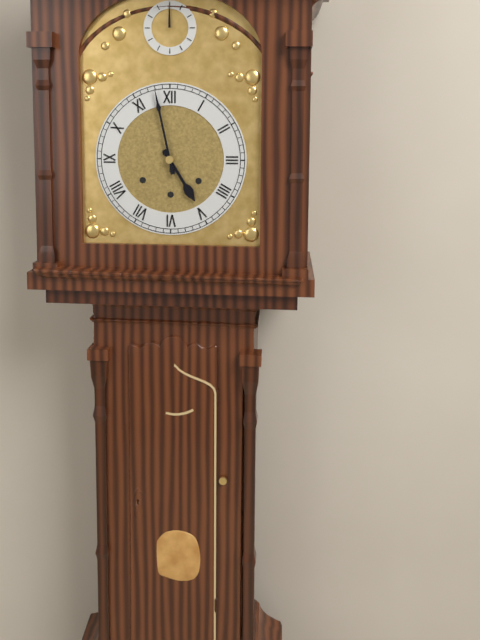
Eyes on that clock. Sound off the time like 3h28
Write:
4h58
